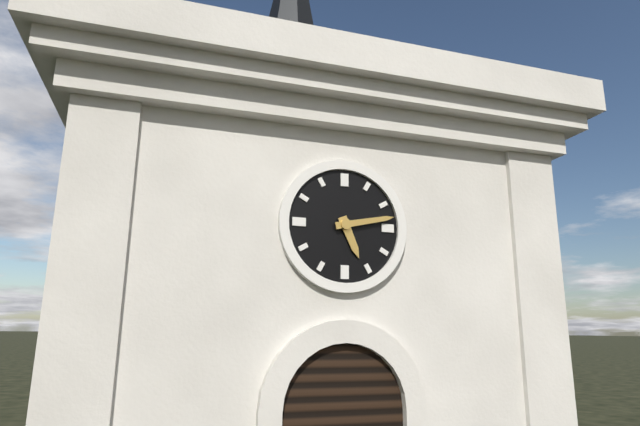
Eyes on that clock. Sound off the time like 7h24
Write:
5h13
